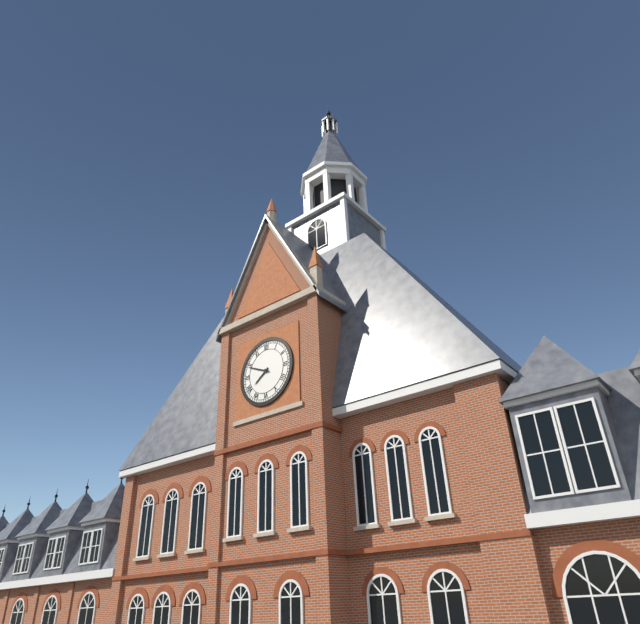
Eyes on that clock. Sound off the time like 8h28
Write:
7h49
